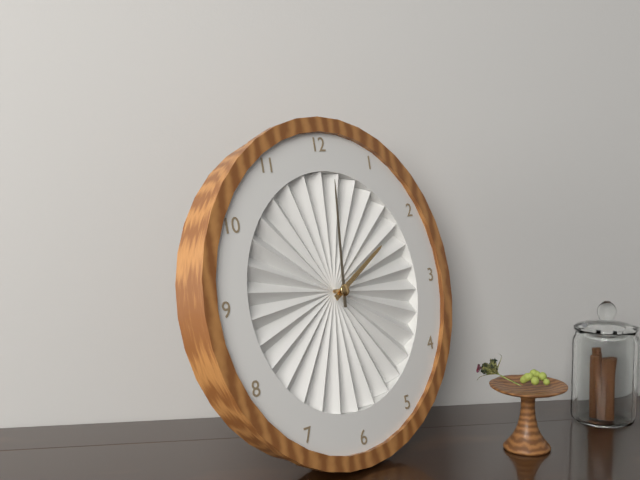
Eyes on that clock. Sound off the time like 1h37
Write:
2h01
